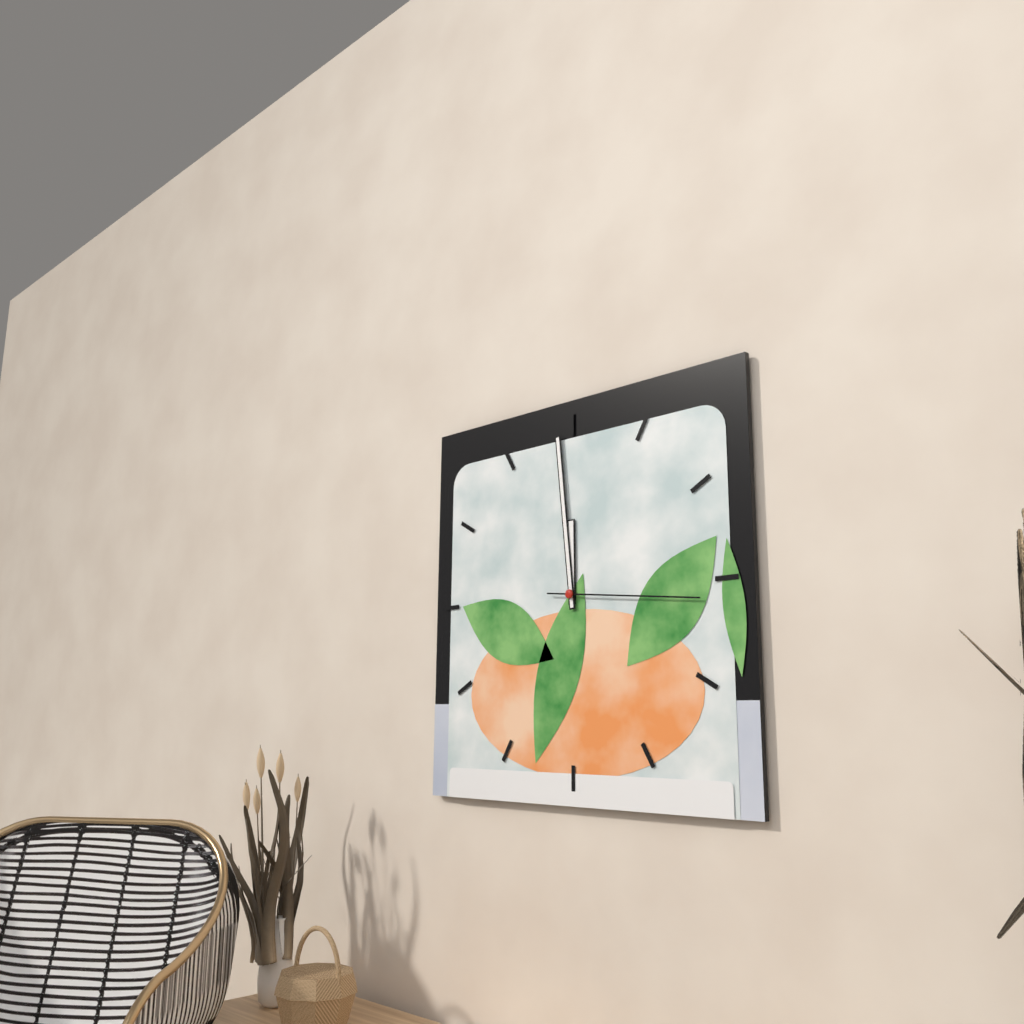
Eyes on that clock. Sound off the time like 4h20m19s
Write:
11h59m16s
